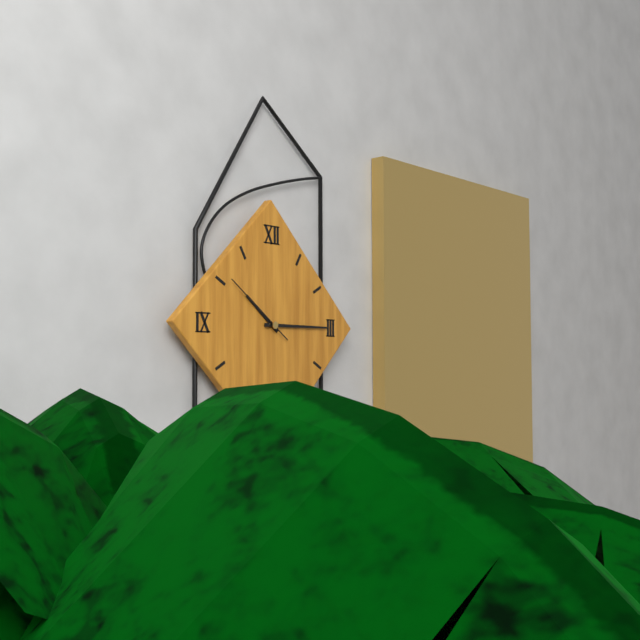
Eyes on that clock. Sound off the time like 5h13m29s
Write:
10h15m51s
